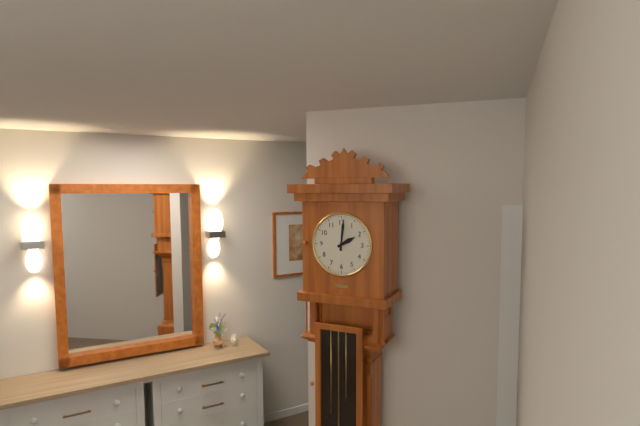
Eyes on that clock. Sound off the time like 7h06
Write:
2h01
